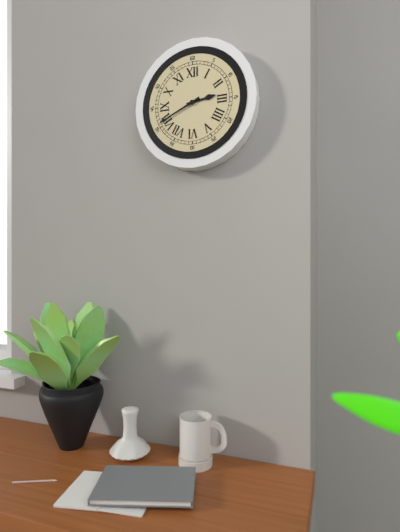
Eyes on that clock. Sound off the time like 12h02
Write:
2h41
